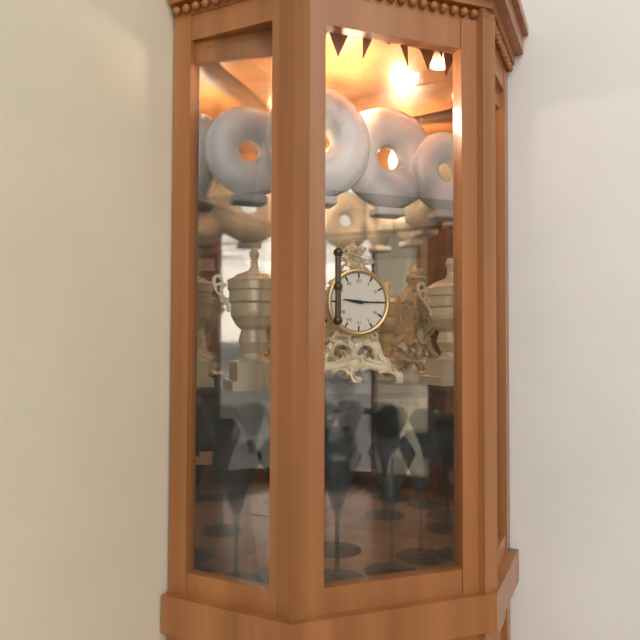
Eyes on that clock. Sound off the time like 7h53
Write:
9h15
